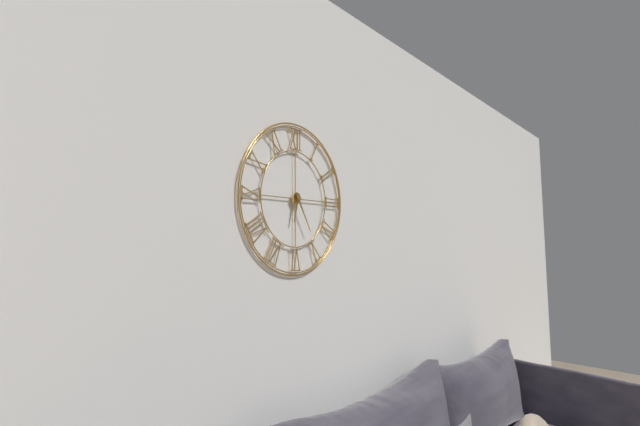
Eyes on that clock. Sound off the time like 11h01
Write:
6h25
